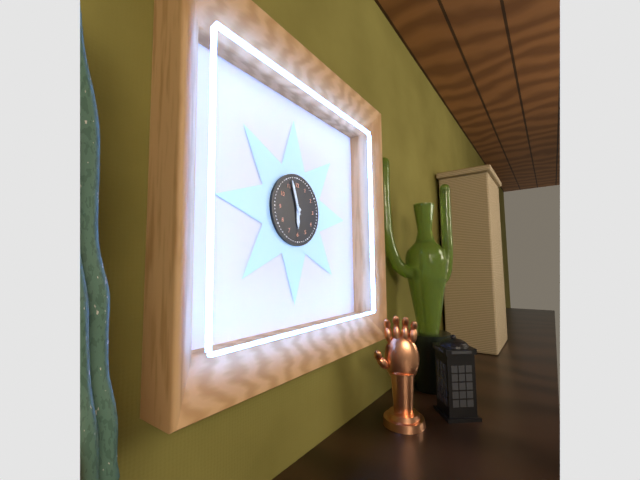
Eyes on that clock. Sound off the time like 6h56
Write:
5h57
